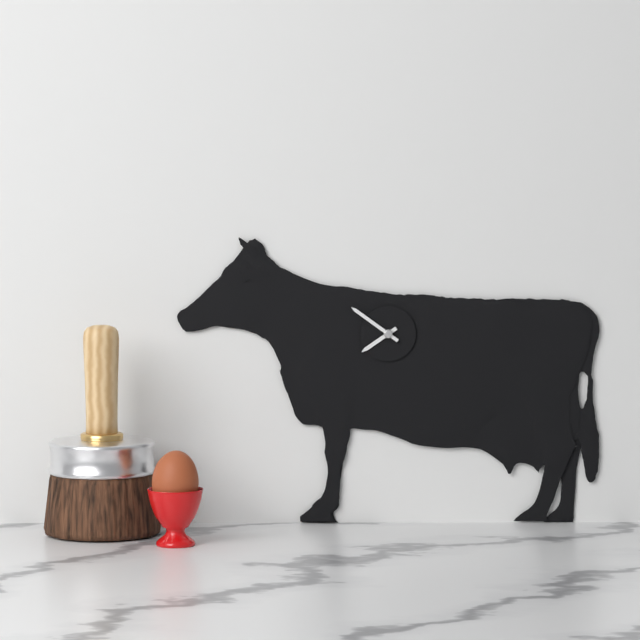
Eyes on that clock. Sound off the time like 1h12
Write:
7h51
